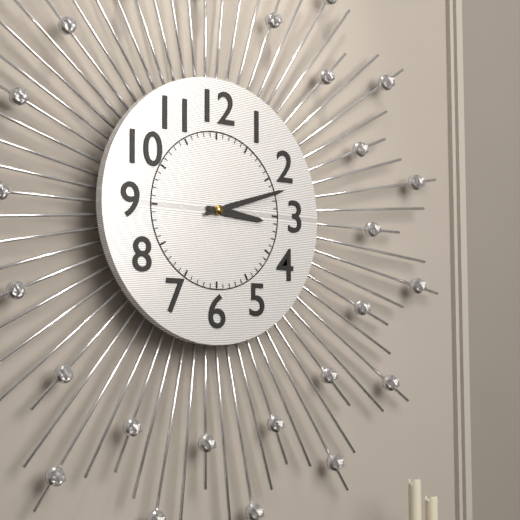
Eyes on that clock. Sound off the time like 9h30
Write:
3h12
